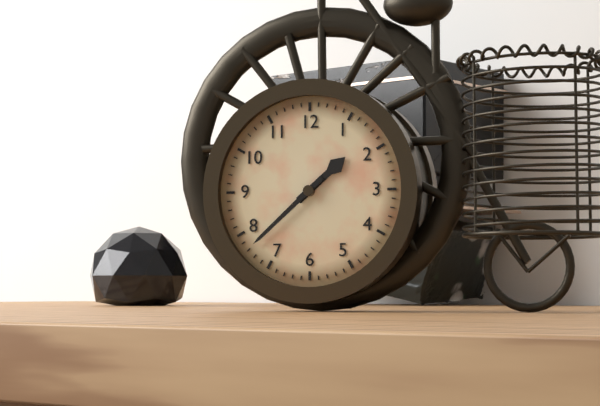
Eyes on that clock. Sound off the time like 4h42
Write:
1h38
